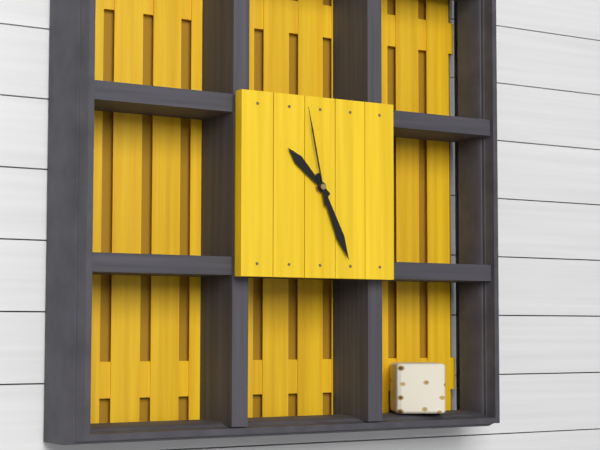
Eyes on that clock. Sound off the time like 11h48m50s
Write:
10h26m58s
